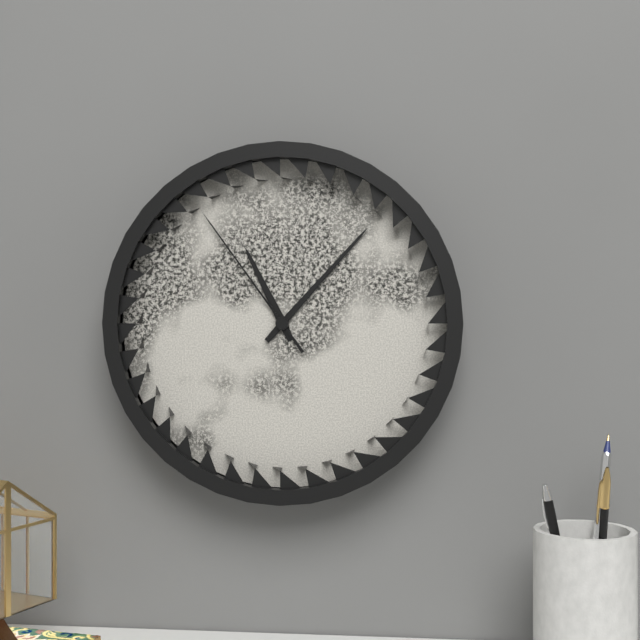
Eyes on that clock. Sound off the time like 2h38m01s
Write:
11h07m54s
